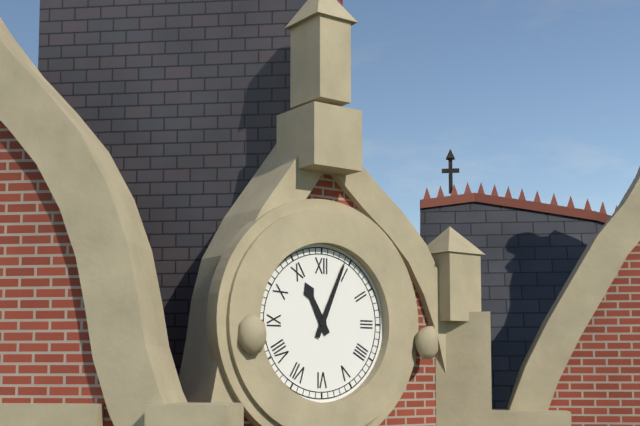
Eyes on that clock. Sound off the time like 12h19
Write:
11h04
